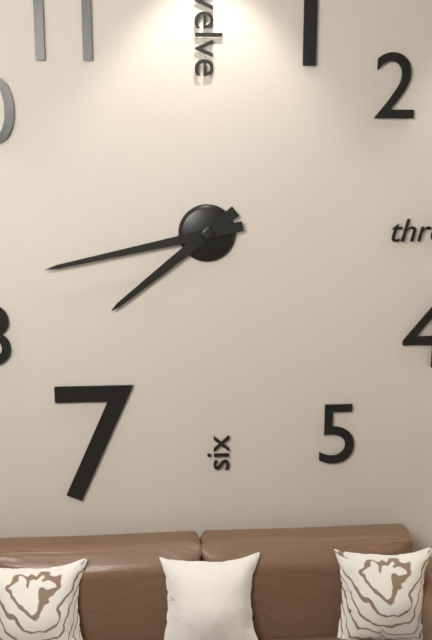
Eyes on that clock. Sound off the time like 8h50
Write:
7h43
